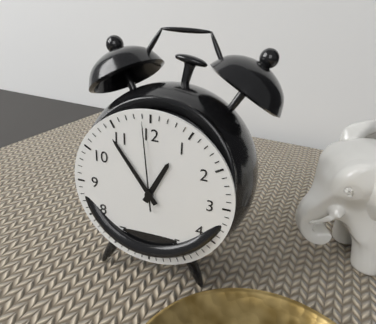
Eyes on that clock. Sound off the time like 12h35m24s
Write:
12h54m59s
